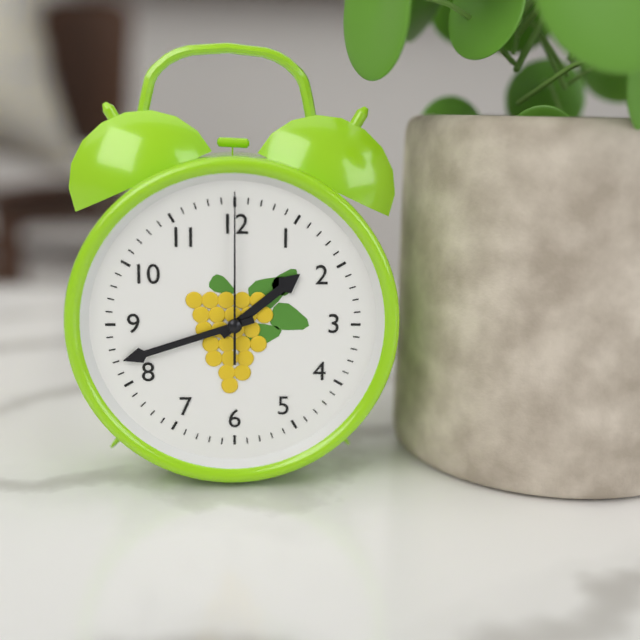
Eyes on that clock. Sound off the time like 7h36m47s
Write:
1h42m00s
